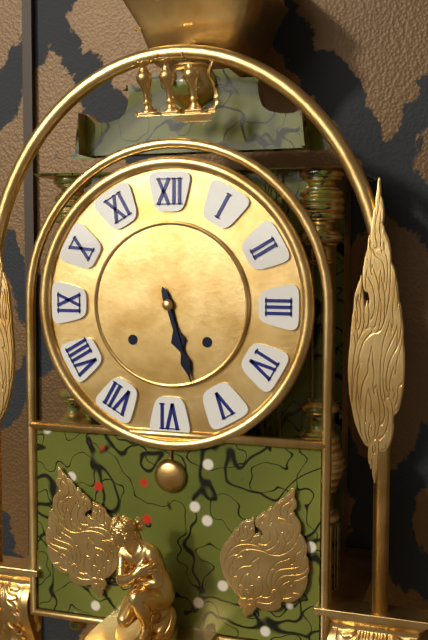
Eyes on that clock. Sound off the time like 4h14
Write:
5h27
